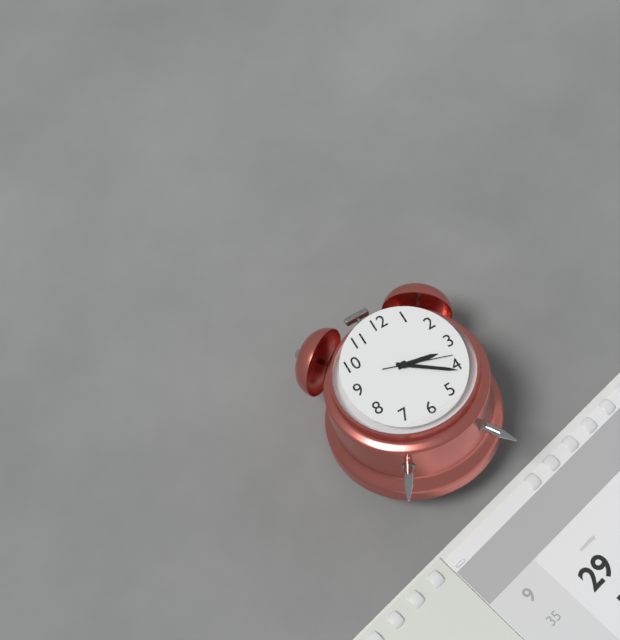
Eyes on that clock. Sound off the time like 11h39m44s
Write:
3h21m18s
